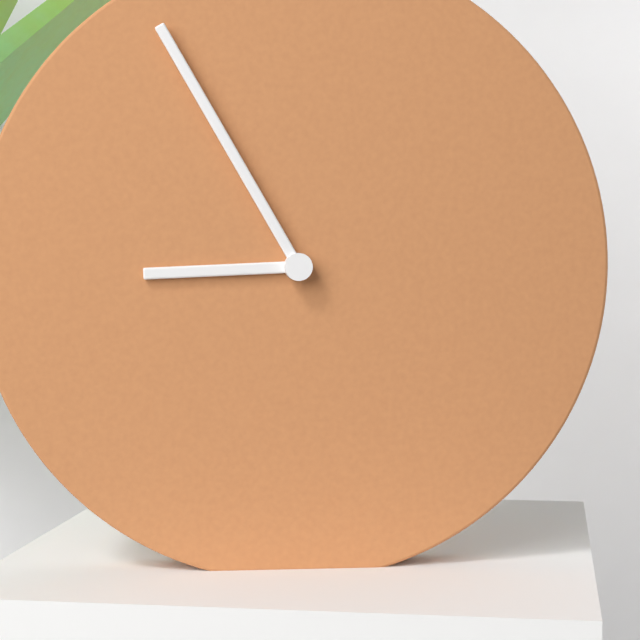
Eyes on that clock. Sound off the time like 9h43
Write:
8h55
